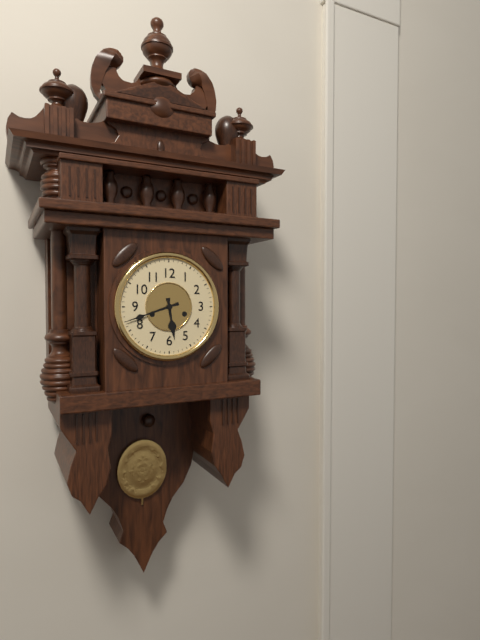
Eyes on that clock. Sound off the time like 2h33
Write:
5h42
